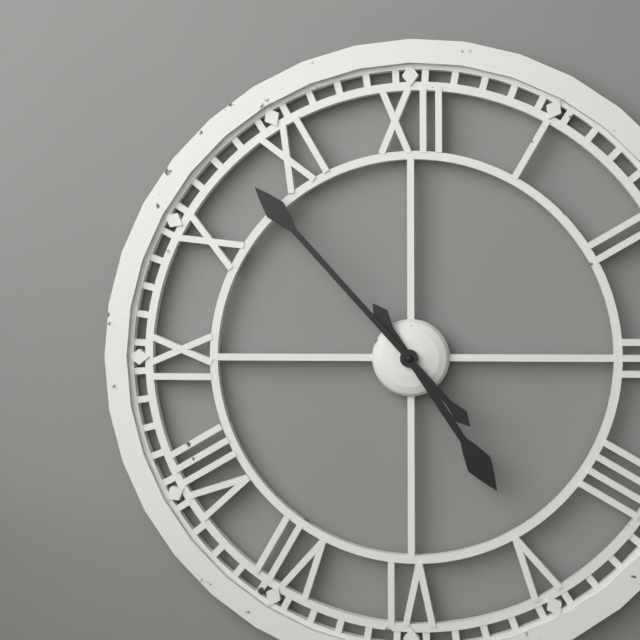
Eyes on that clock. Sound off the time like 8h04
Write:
4h53
